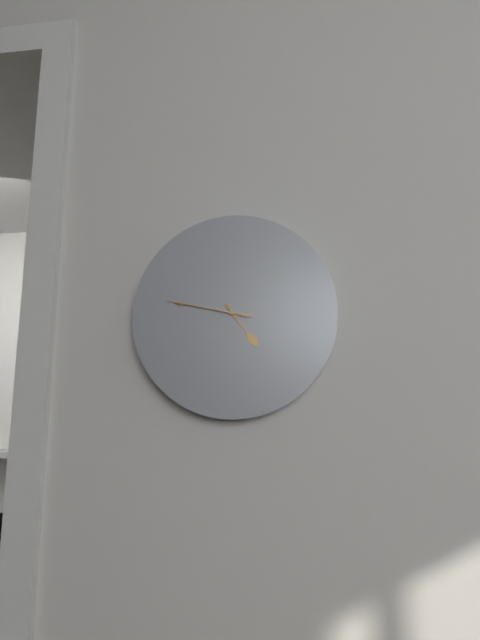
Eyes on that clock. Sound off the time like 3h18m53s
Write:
4h47m47s
